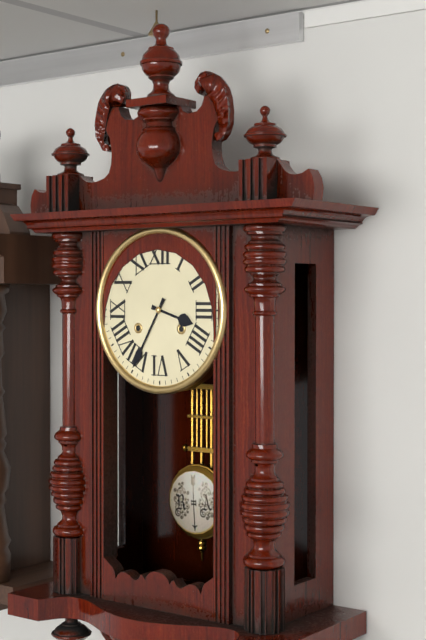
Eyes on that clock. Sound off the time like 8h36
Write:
3h35
